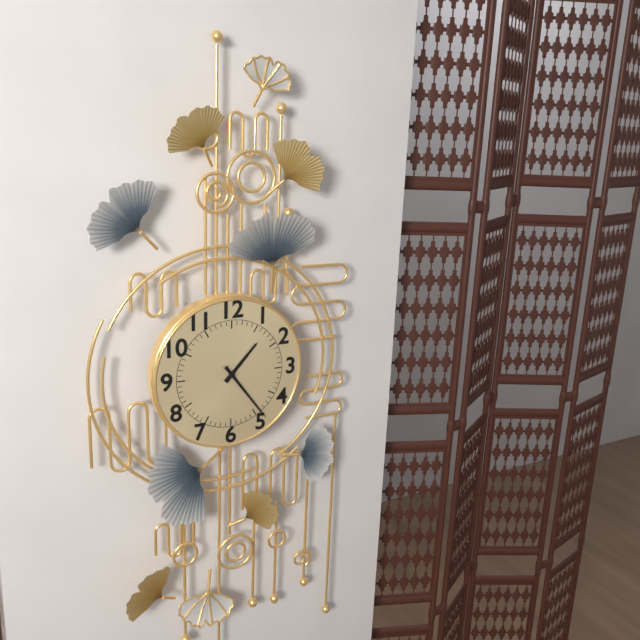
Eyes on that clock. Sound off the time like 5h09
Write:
1h24
